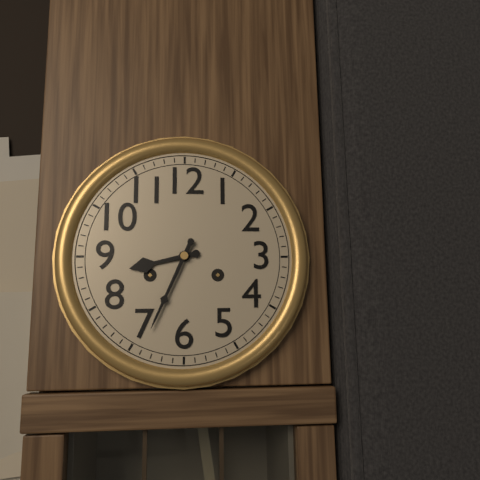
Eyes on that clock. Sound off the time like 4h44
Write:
8h34
